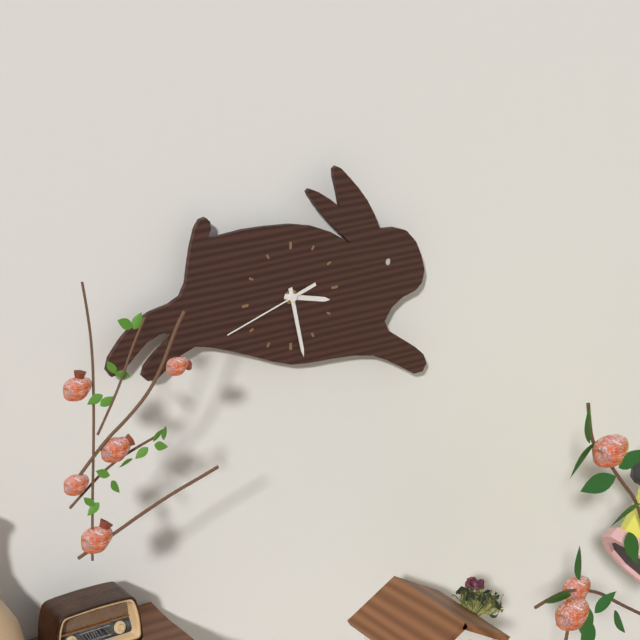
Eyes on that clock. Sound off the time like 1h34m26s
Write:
3h28m42s
